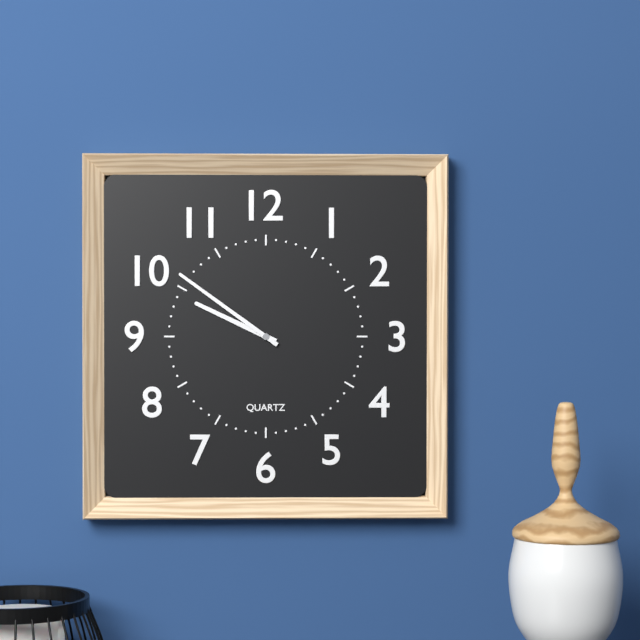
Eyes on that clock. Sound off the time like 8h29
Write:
9h51
